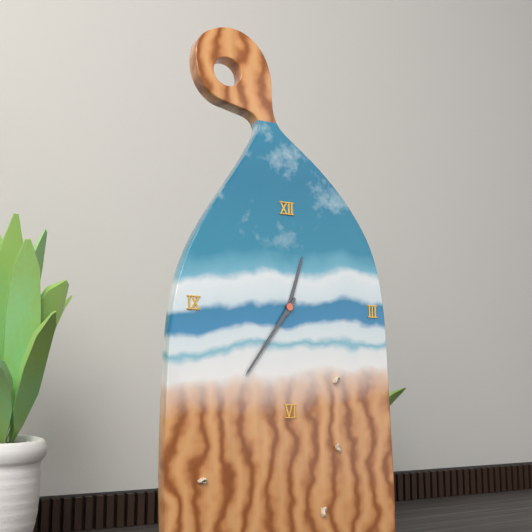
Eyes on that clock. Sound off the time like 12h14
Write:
12h36
